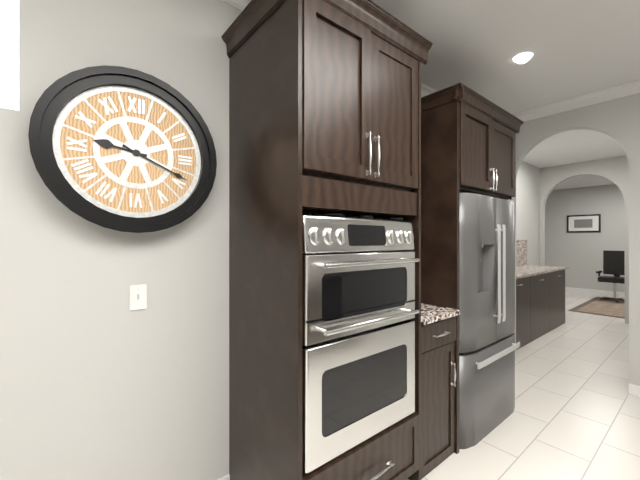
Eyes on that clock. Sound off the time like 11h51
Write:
9h19
